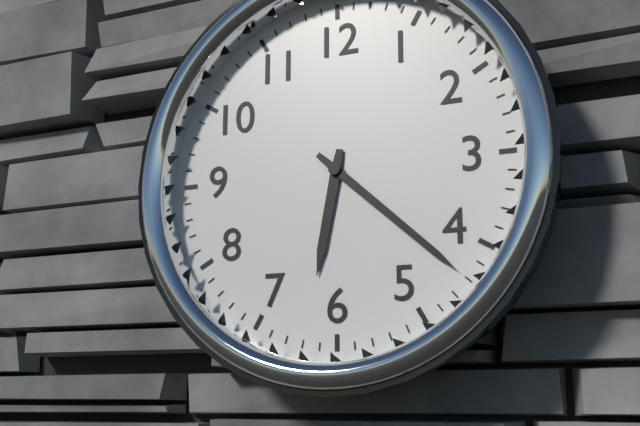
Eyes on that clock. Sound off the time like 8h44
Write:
6h22
